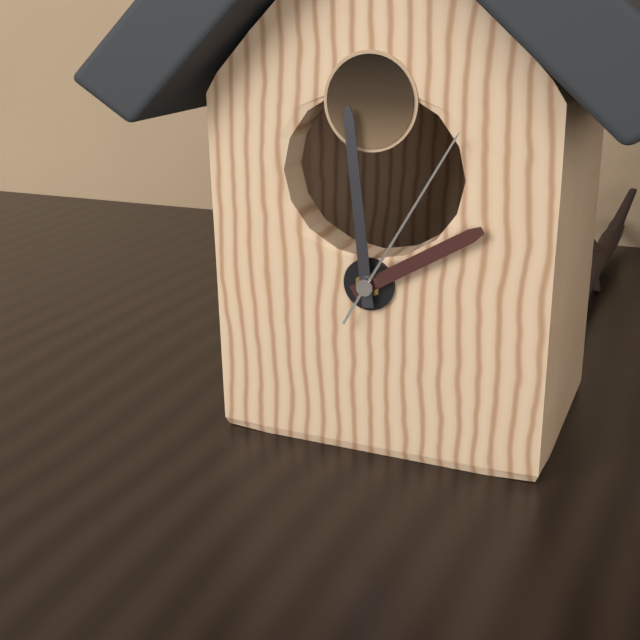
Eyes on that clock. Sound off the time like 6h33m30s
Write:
1h59m05s
